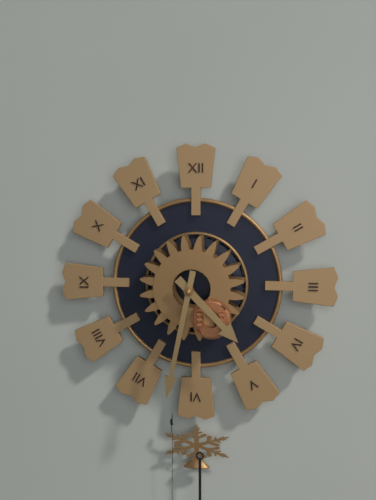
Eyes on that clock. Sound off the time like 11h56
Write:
4h32
